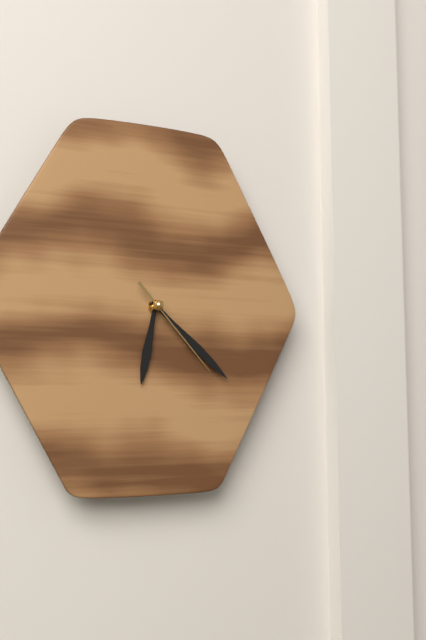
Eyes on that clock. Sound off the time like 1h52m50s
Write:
6h22m23s
